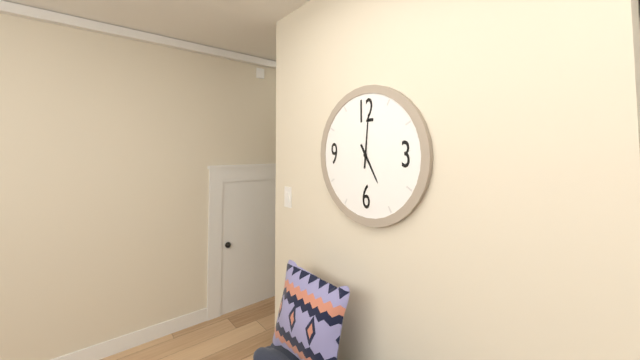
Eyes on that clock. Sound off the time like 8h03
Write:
5h01
